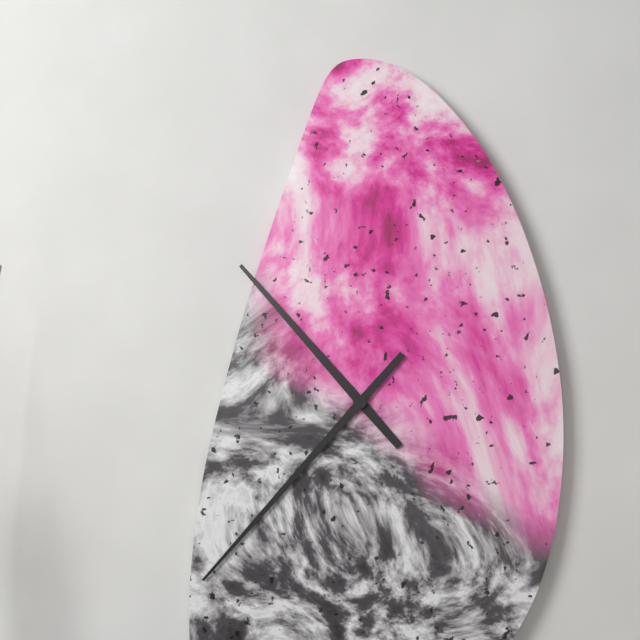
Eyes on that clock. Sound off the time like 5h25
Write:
10h37
